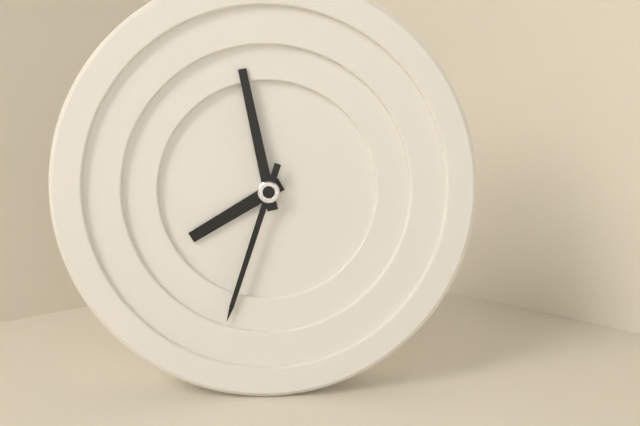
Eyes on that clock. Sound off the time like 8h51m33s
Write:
7h58m33s
